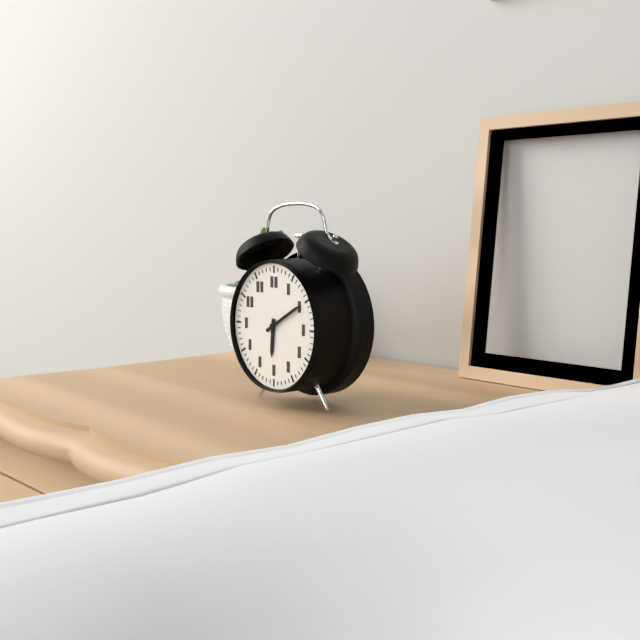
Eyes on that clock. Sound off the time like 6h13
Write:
6h10
